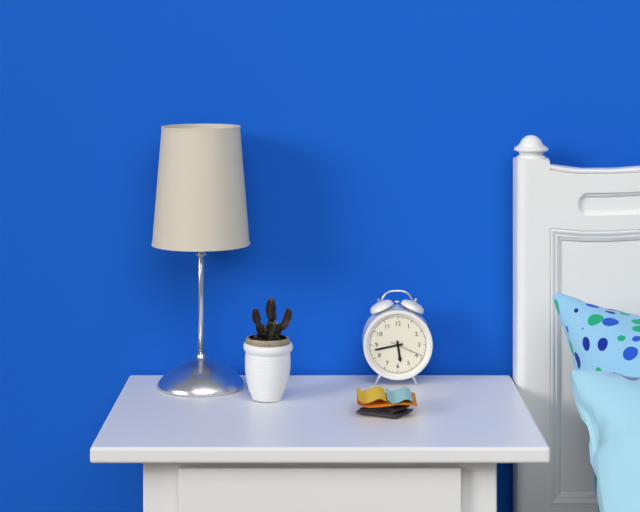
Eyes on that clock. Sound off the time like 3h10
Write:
5h43
